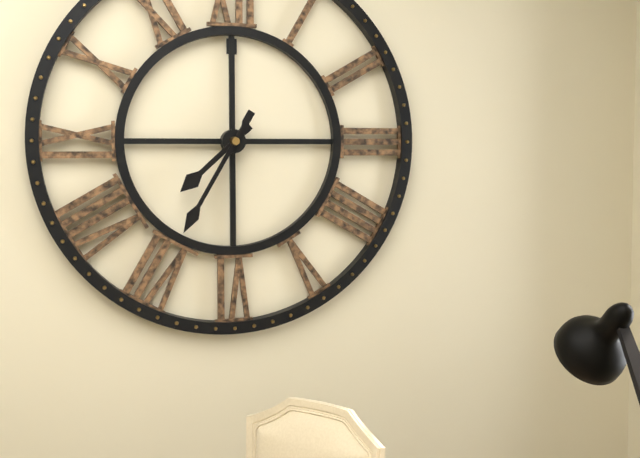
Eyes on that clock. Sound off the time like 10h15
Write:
7h35
